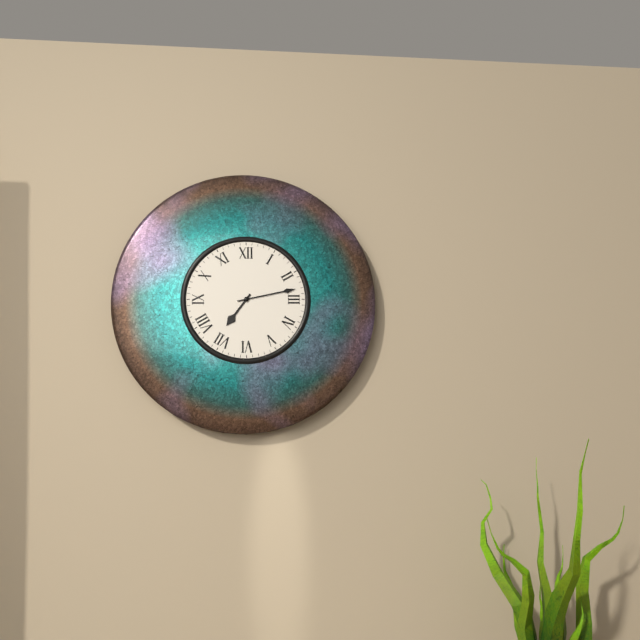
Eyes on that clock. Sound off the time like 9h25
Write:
7h13
